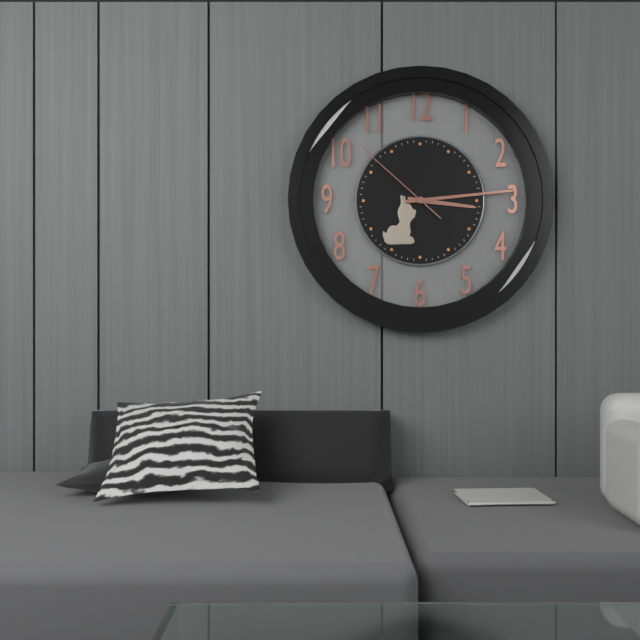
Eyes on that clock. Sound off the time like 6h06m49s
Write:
3h14m52s
